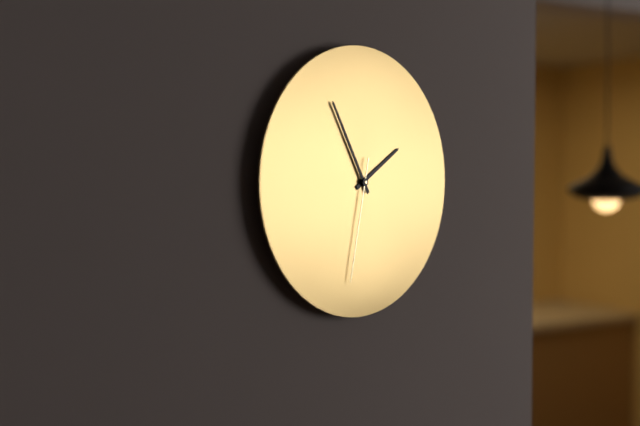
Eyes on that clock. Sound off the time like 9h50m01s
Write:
1h55m32s
